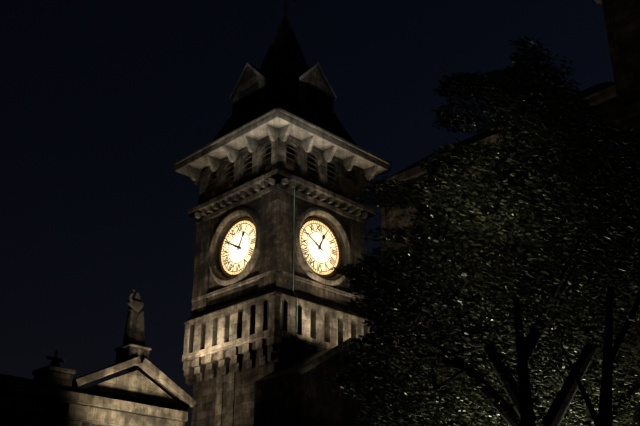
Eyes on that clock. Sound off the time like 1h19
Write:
12h50
